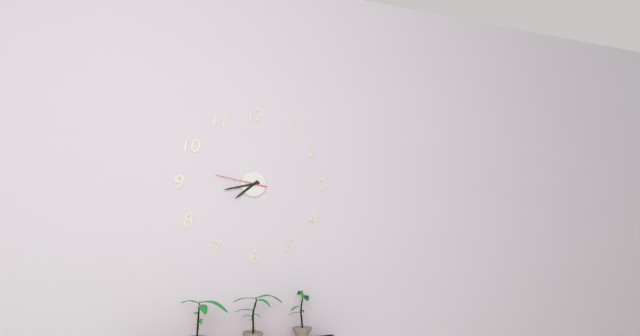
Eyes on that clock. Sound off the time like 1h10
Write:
7h43
